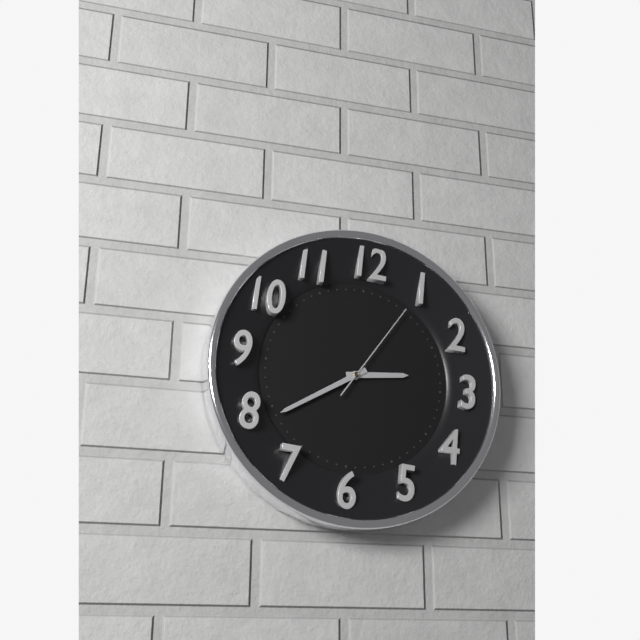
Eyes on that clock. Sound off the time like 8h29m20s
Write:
2h39m05s
